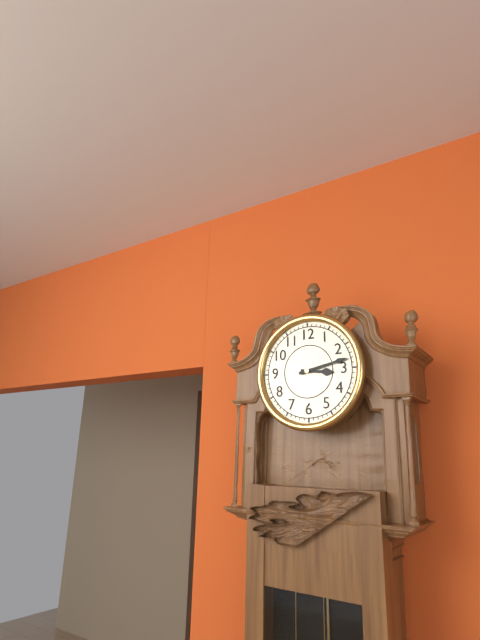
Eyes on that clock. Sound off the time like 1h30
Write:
3h13
